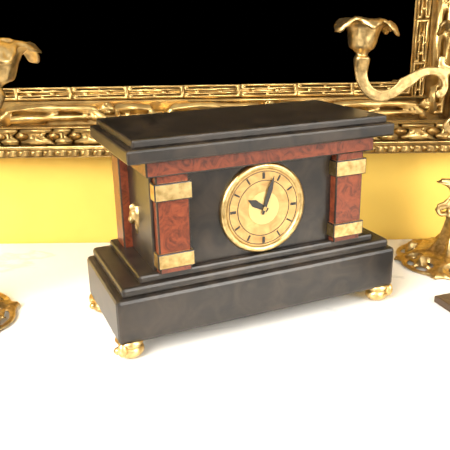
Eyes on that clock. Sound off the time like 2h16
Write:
10h03
